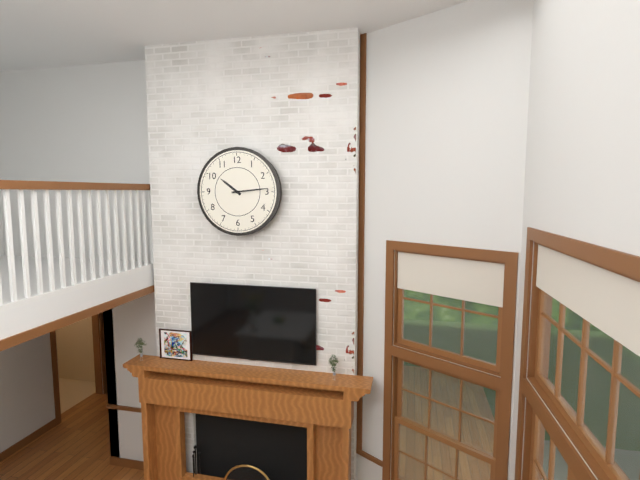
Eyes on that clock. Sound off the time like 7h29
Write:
10h14
